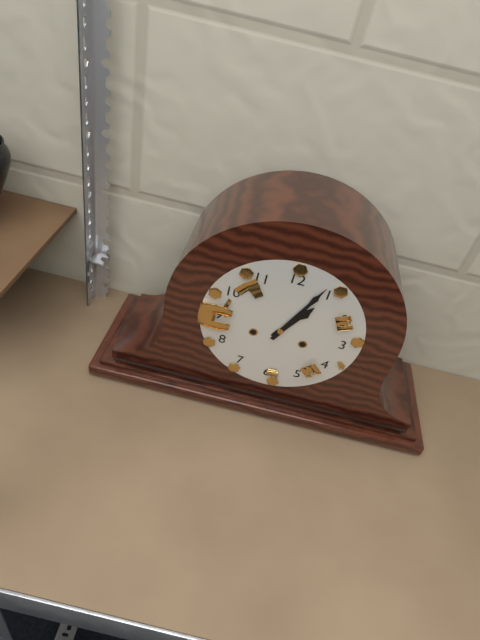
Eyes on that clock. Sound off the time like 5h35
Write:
1h04
